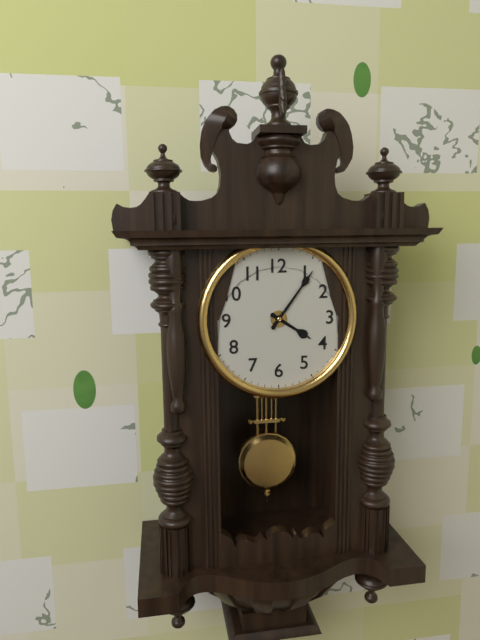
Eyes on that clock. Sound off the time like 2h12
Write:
4h06
